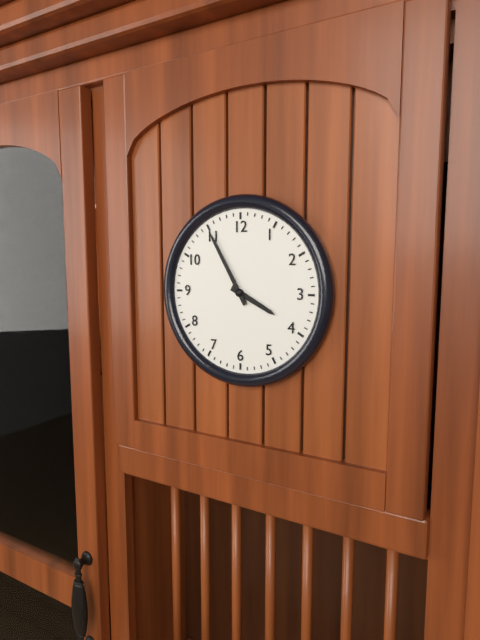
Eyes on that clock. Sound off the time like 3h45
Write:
3h55
